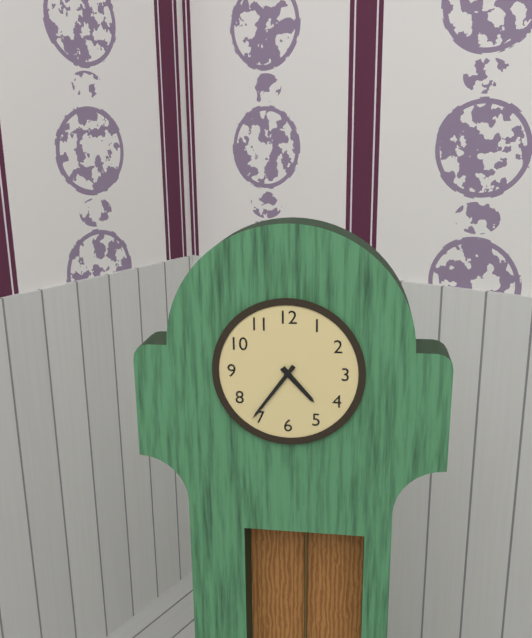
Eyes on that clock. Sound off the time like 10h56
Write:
4h36
